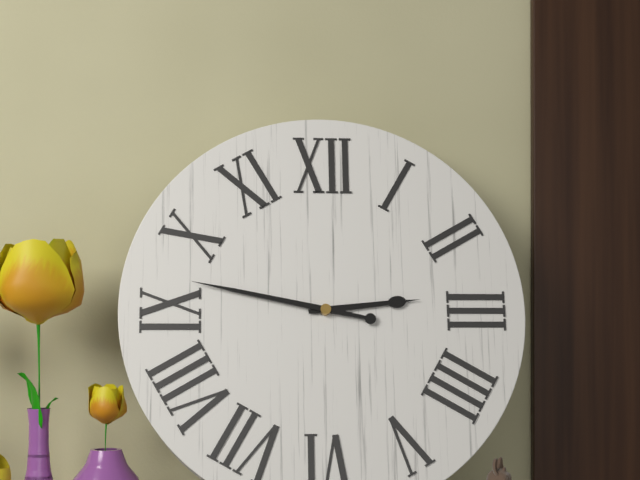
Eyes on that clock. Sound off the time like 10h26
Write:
2h47
